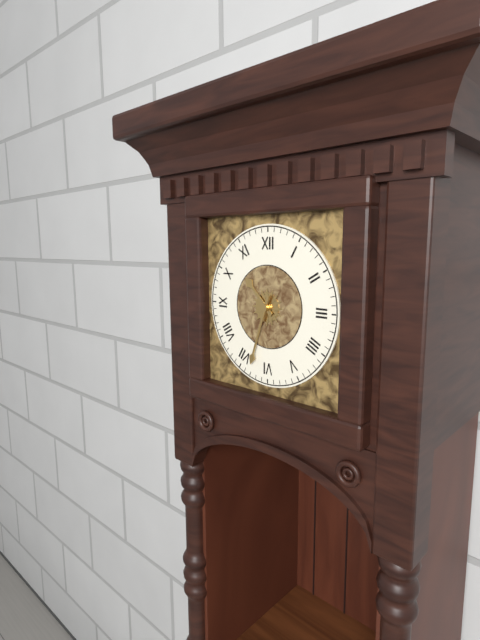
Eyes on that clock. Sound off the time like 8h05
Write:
10h33
